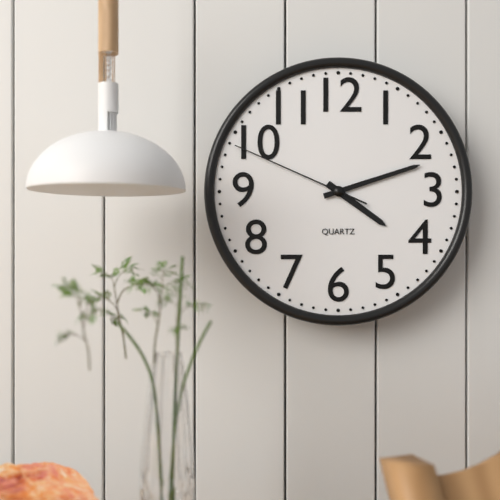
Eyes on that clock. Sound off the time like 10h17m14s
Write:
4h12m49s
